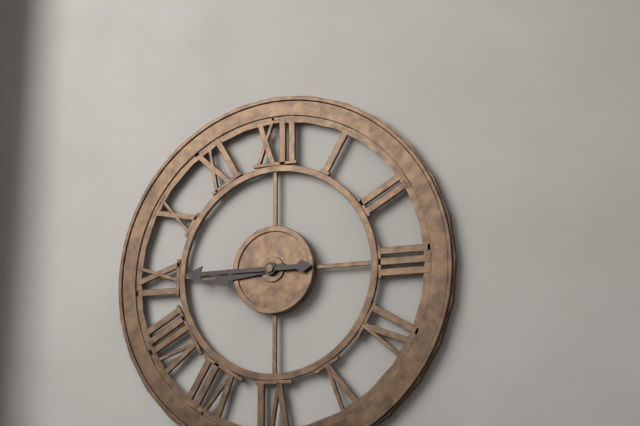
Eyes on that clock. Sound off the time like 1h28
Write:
8h45
